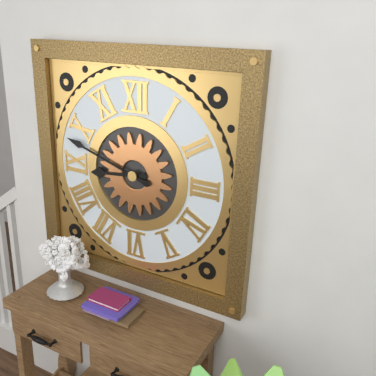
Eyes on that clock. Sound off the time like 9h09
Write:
8h48
